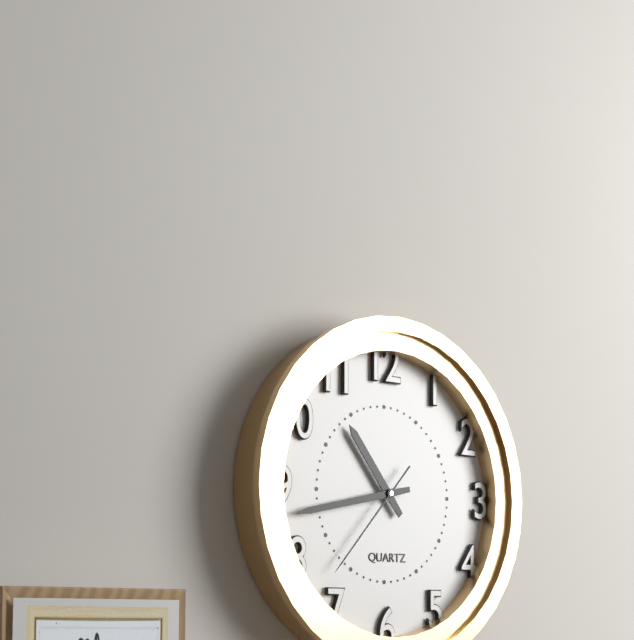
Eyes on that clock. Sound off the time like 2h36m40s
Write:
10h43m37s
